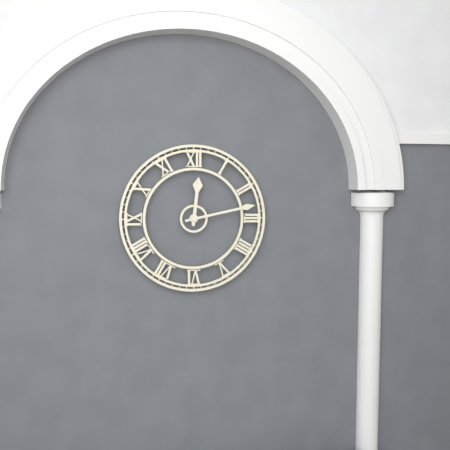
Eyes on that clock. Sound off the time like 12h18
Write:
12h13
